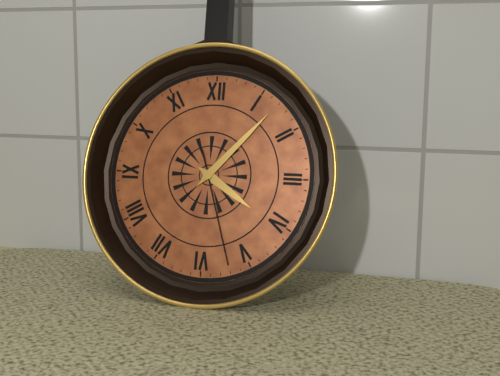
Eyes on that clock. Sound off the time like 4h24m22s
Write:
4h07m27s
